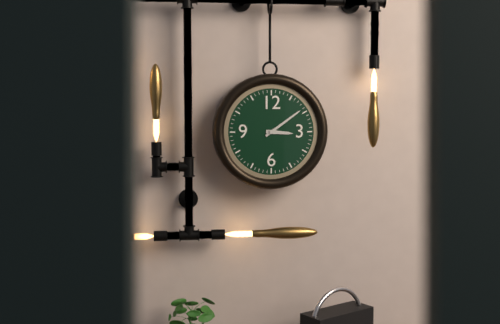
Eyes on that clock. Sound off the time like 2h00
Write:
3h09
